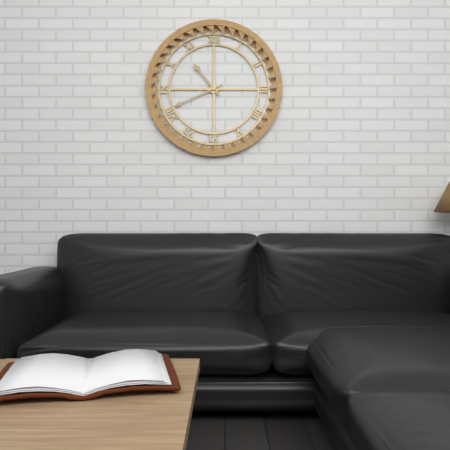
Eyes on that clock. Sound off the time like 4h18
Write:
10h41
